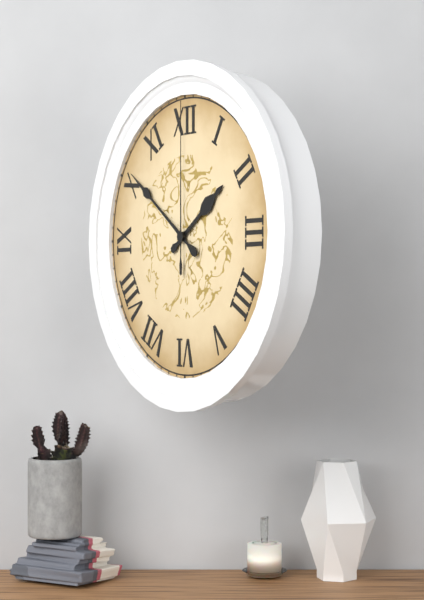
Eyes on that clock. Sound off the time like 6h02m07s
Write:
1h51m00s
